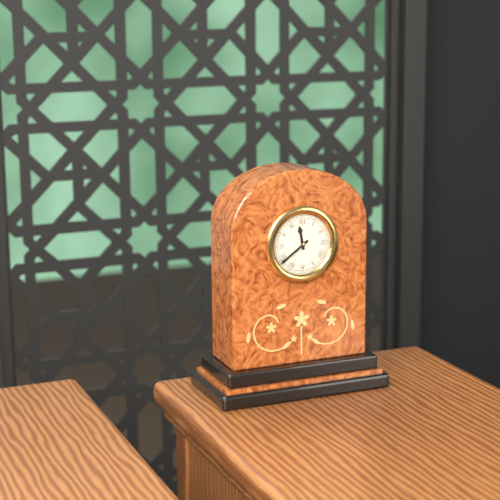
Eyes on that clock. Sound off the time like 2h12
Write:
11h39
